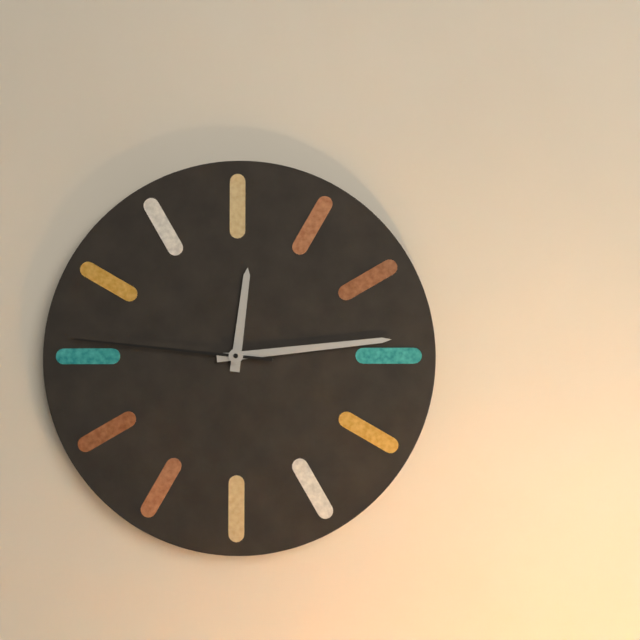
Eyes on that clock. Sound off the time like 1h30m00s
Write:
12h14m46s
